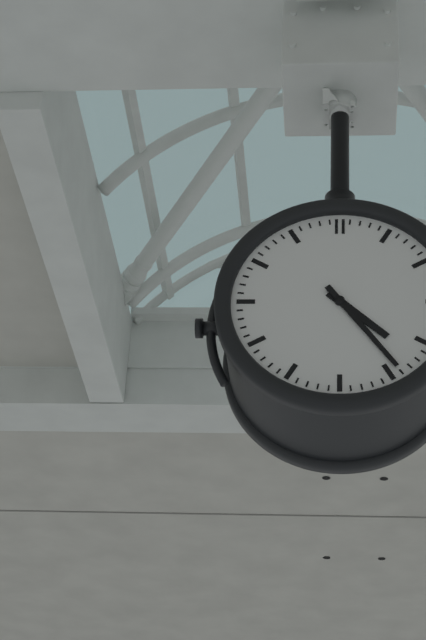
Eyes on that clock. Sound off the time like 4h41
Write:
4h24
